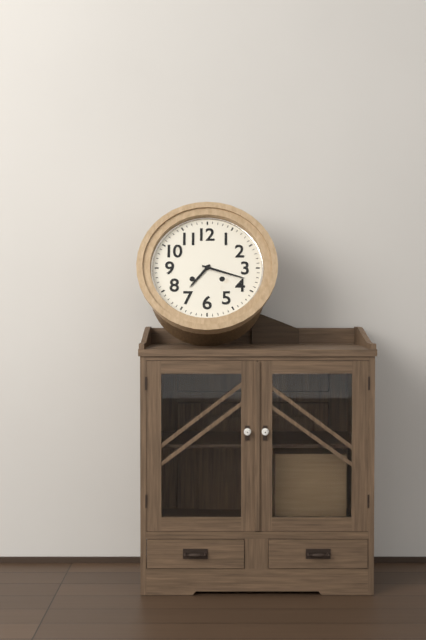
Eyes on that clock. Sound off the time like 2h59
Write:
7h18
